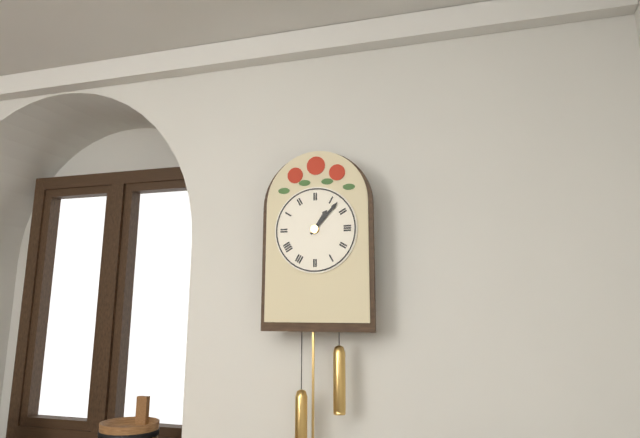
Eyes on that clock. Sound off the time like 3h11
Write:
1h07
